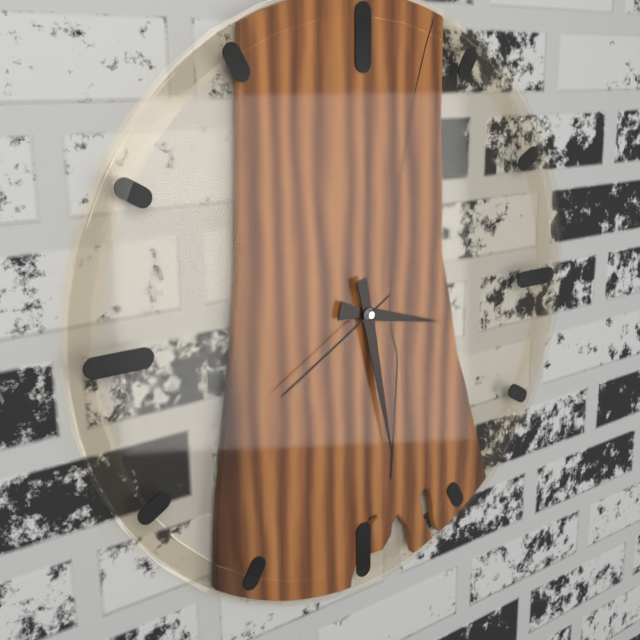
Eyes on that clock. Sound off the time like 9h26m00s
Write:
3h28m40s
